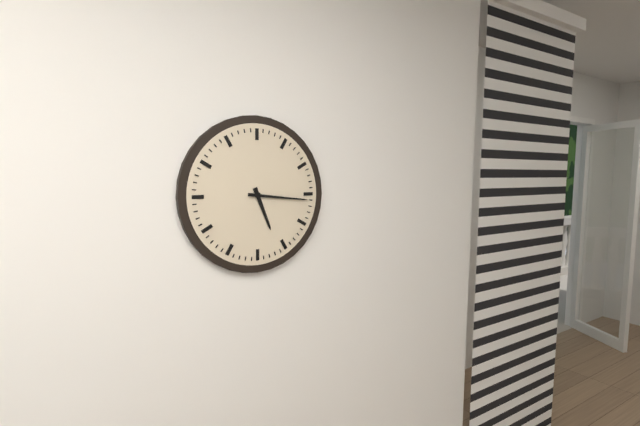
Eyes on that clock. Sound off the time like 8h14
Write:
5h16
